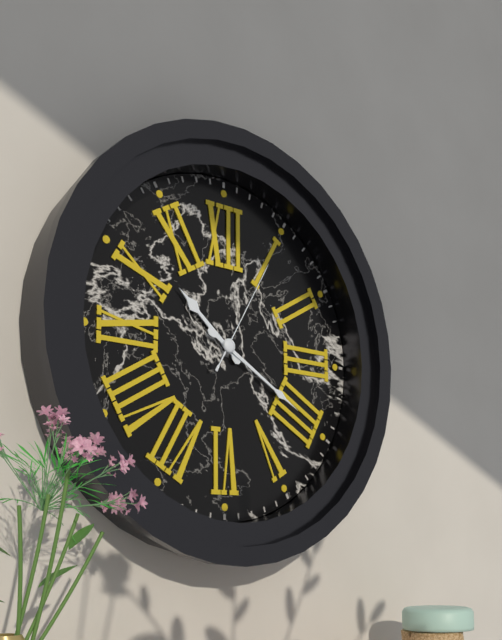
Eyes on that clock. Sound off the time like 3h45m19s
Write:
10h20m05s
